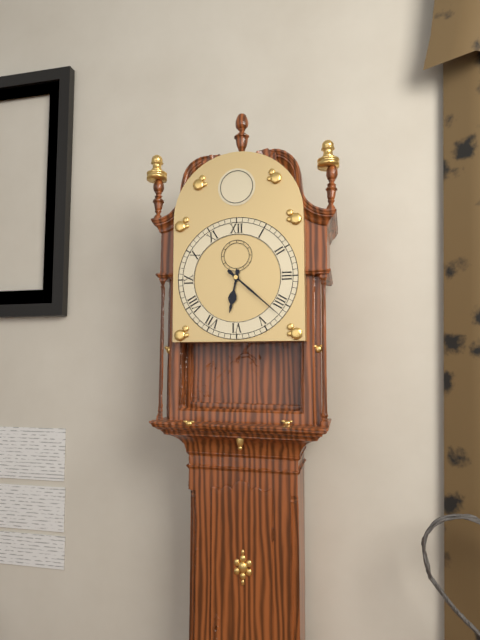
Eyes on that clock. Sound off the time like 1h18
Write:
6h22
